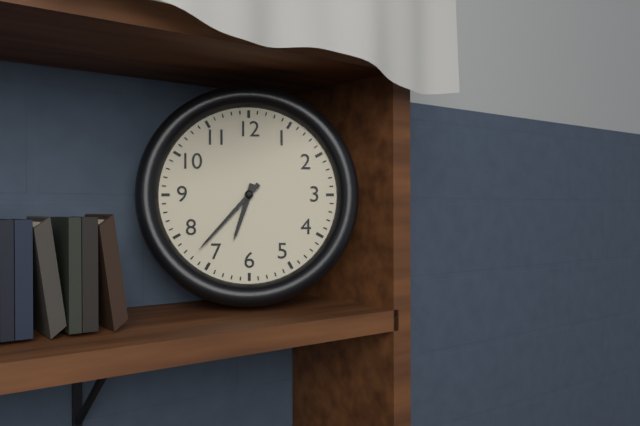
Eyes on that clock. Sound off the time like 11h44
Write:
6h37
